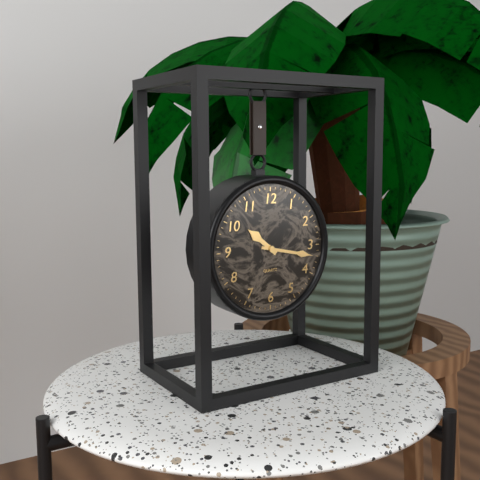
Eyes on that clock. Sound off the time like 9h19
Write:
10h17
